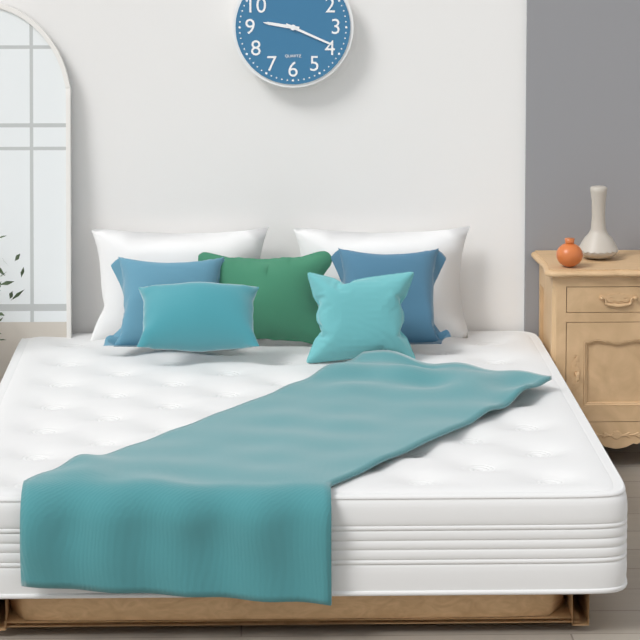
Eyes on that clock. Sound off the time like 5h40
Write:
9h19
